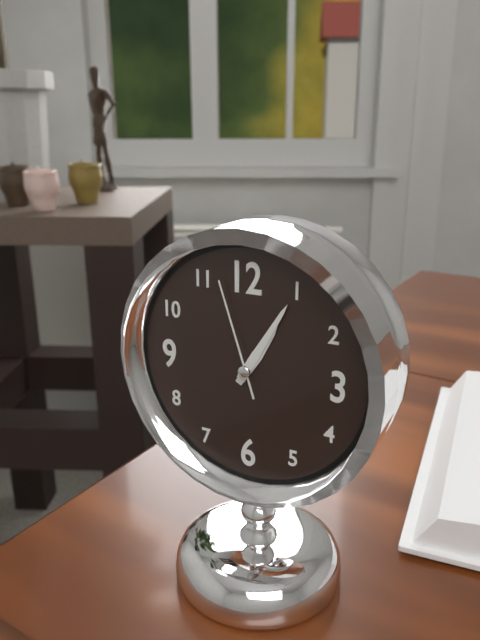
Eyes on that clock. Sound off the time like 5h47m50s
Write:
1h05m57s
